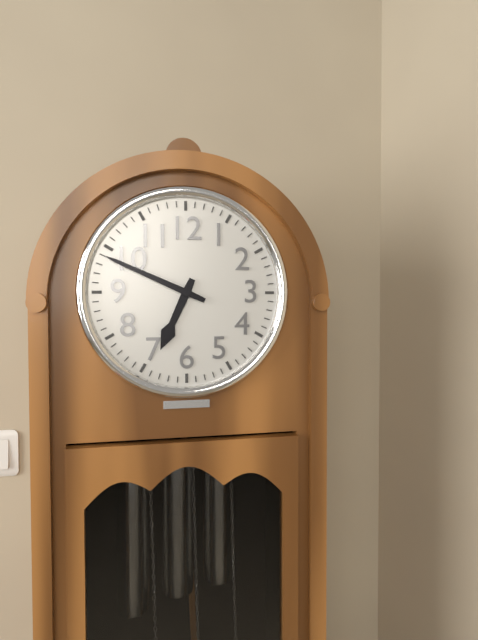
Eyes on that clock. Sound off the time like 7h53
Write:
6h49
